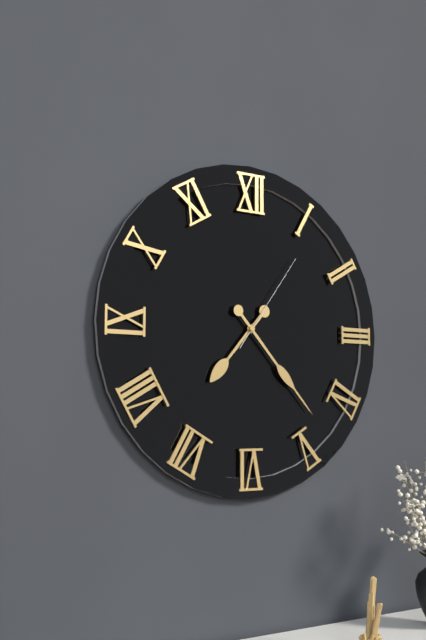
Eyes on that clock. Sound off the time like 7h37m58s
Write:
7h23m06s
